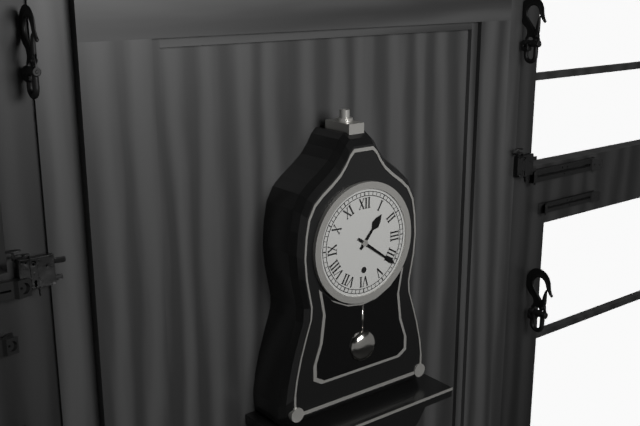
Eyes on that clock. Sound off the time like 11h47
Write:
1h21
